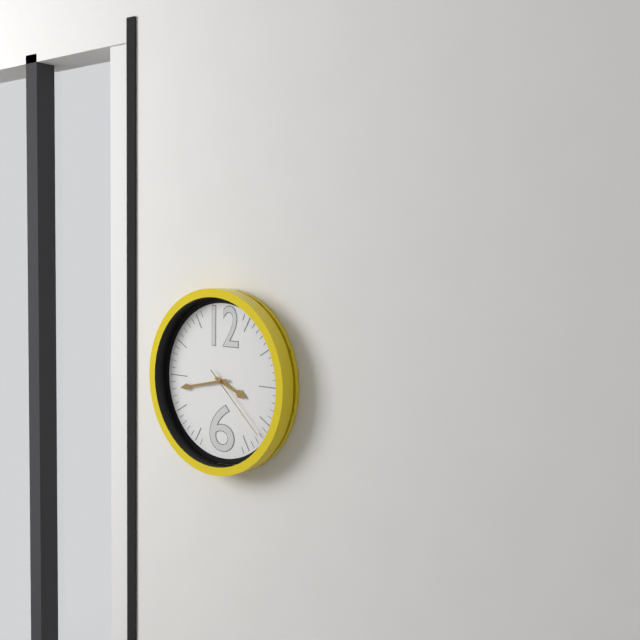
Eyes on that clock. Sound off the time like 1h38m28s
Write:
3h43m22s
